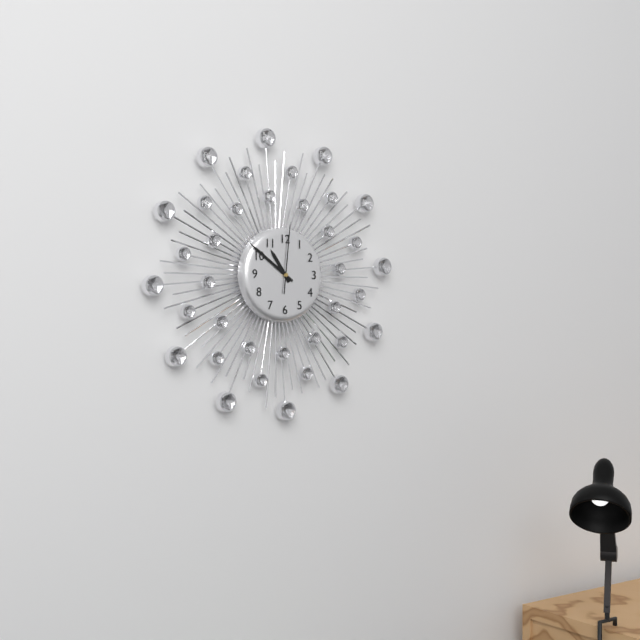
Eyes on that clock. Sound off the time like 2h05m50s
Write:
10h51m01s
